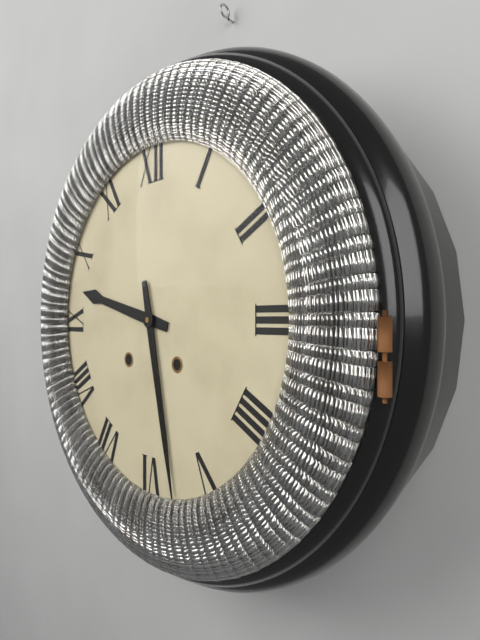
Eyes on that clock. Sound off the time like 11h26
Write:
9h28
